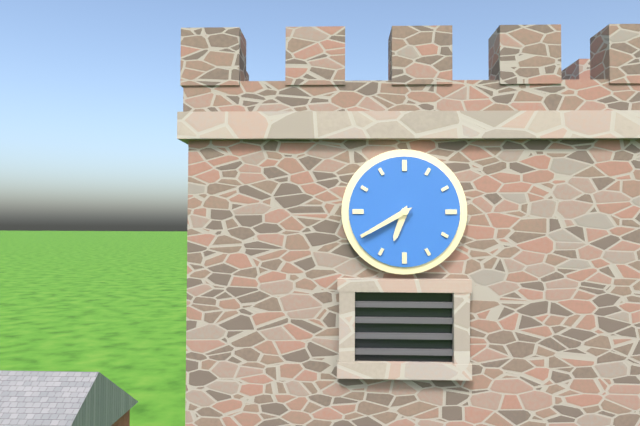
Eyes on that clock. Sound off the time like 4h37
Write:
6h40
